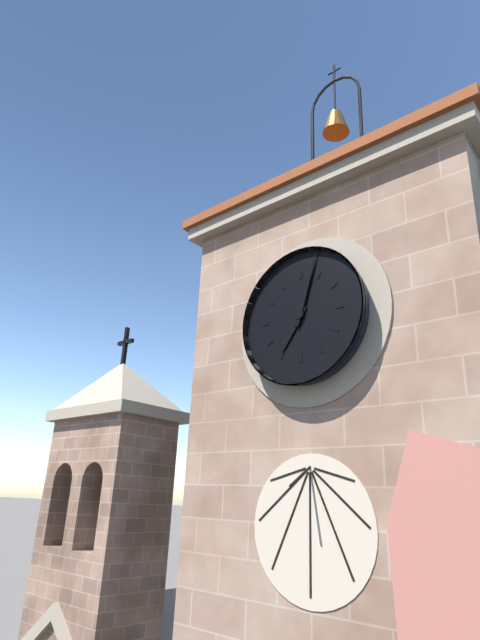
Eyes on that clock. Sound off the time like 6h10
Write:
7h03
